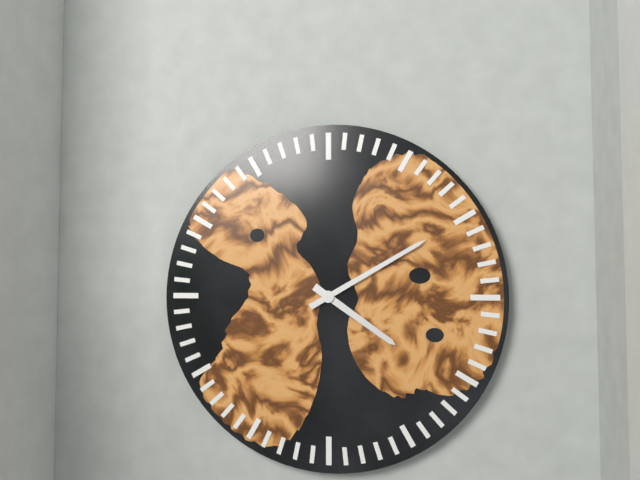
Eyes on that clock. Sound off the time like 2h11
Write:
4h10
